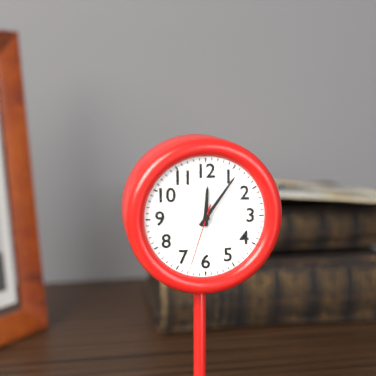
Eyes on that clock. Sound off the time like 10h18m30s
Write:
12h06m33s
